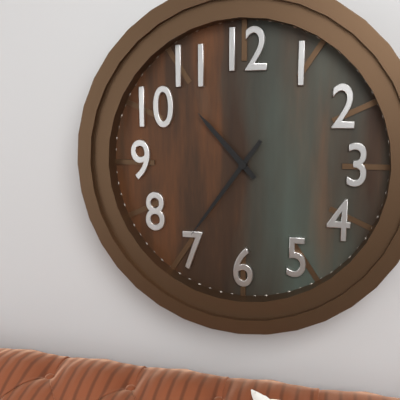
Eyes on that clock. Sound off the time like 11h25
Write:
10h36
